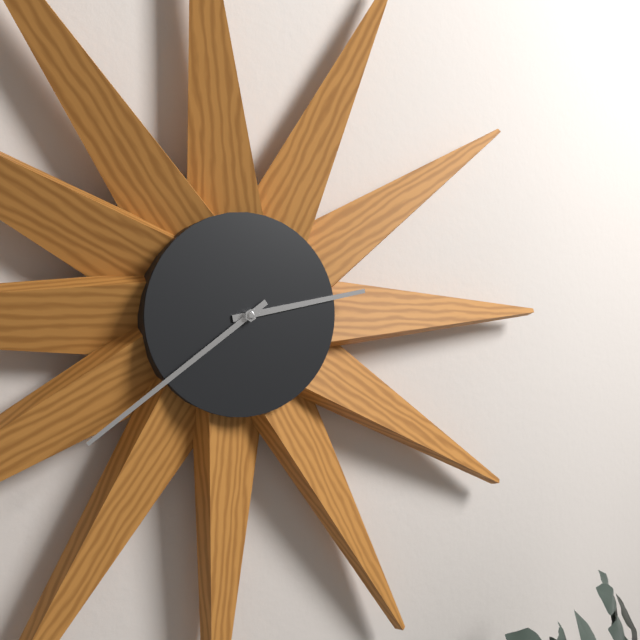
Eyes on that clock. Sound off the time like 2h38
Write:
2h39
